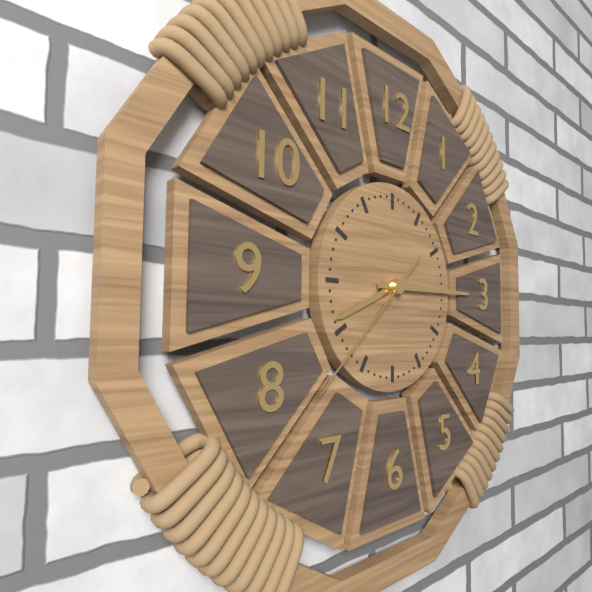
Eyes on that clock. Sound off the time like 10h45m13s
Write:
8h15m38s
